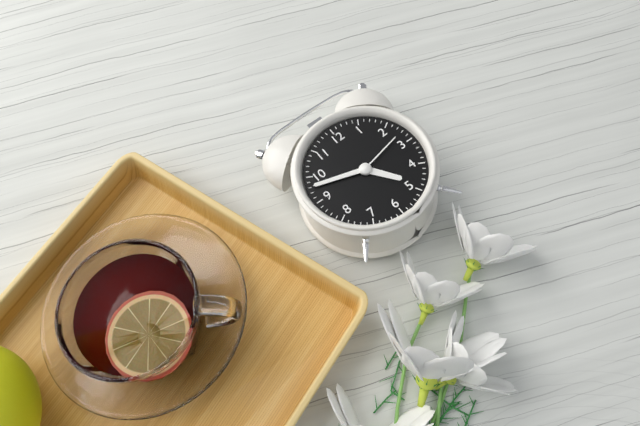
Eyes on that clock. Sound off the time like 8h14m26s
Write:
4h48m13s
